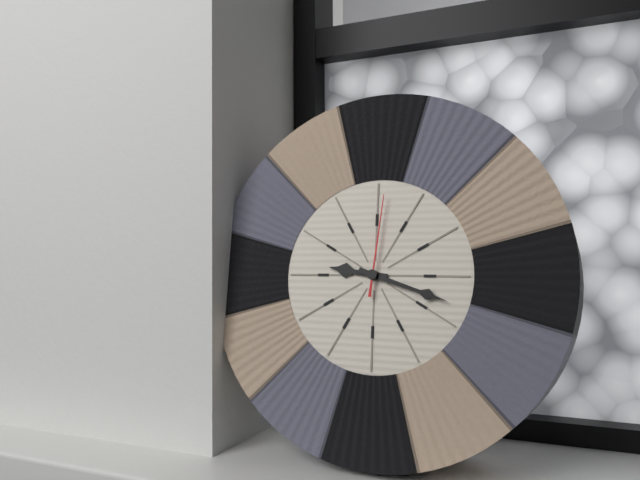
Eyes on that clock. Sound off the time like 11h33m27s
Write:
9h18m01s
